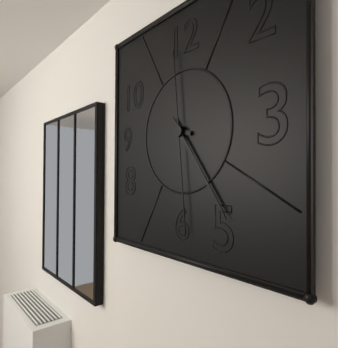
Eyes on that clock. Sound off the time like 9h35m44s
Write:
9h24m29s
